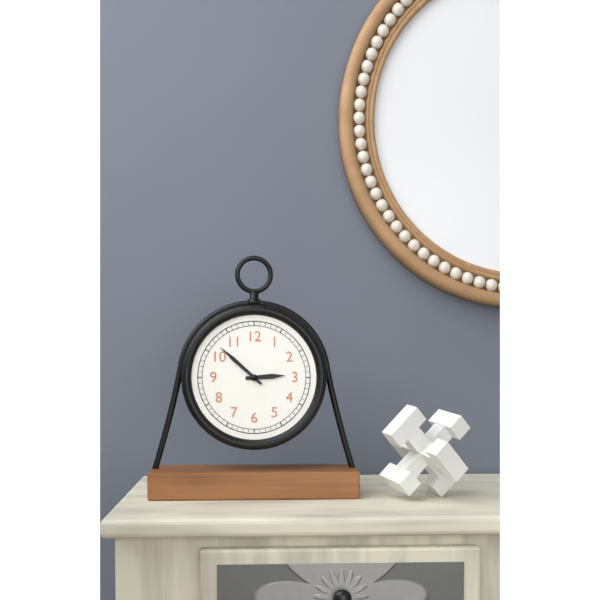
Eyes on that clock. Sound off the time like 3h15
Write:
2h52
